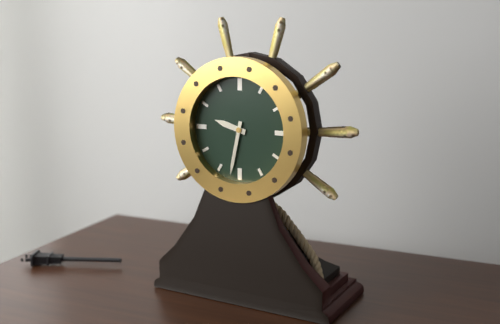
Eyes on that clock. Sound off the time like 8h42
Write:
9h32
